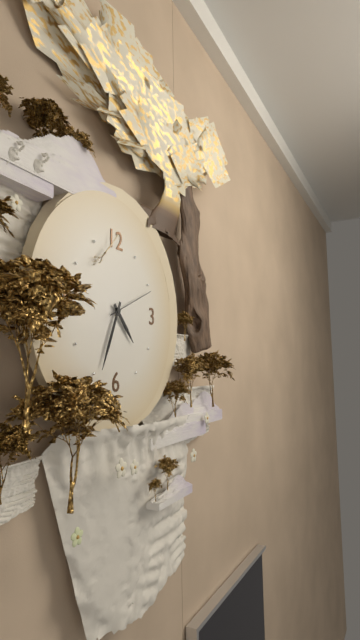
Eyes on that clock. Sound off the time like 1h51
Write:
4h34
